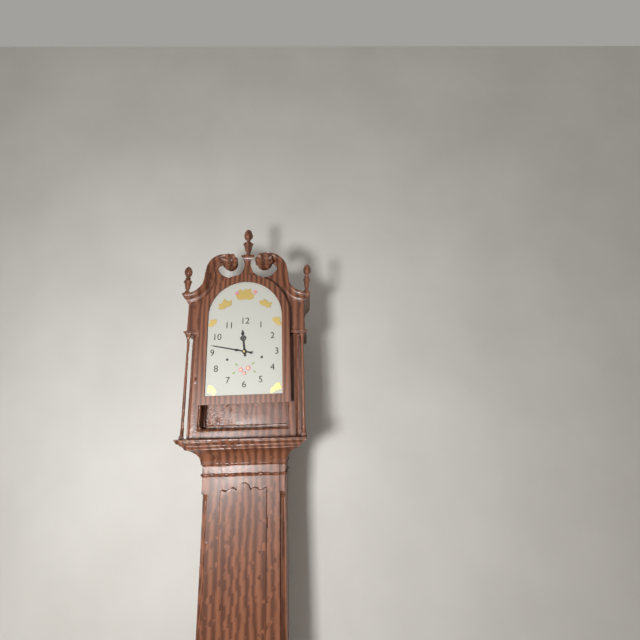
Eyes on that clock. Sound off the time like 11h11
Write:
11h47
